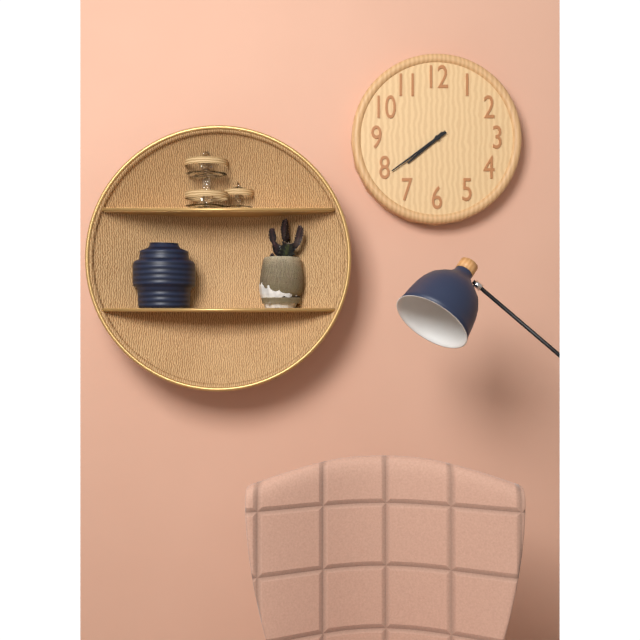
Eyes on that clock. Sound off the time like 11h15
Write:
7h39
